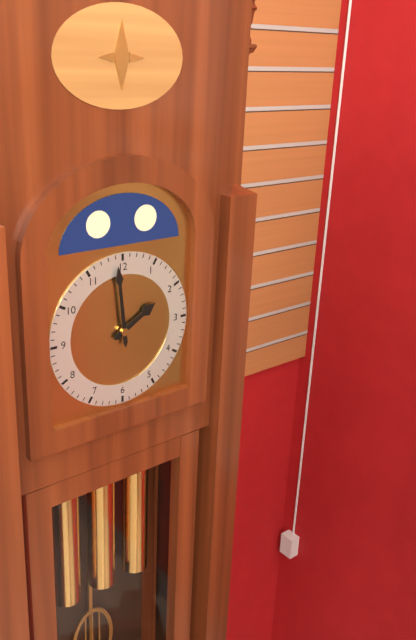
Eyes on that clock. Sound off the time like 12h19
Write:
1h59
